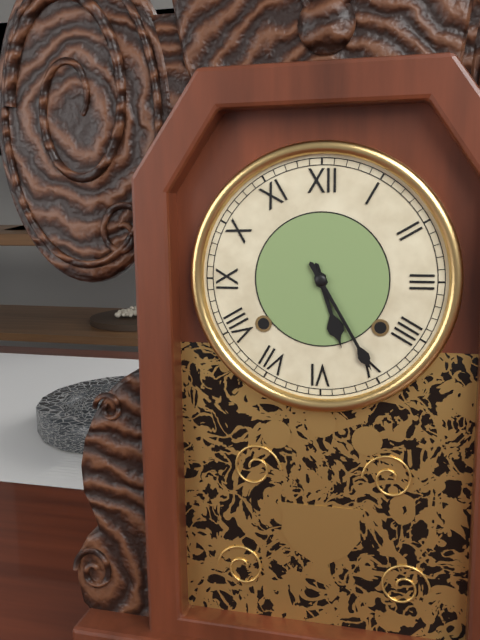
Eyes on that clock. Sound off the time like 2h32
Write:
5h25
